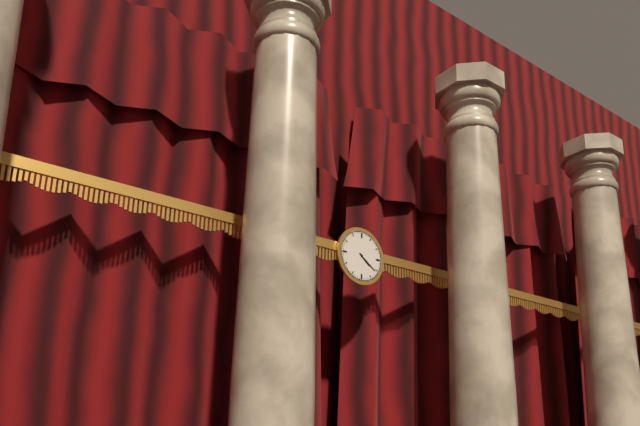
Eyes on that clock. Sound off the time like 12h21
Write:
4h21
